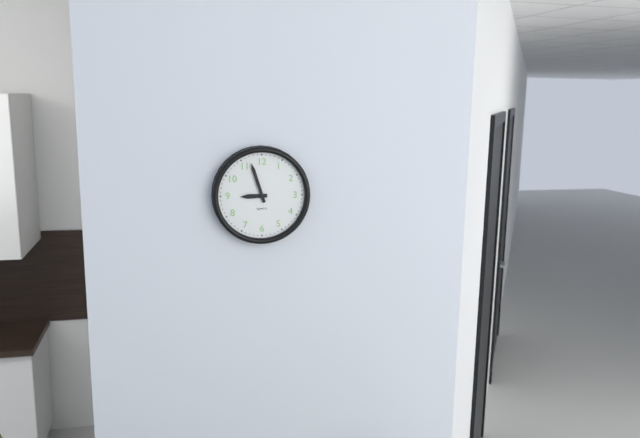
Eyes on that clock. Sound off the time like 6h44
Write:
8h57
